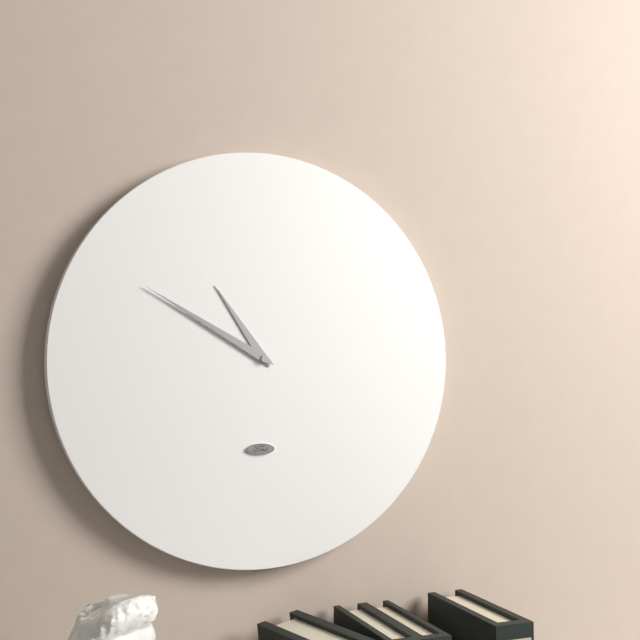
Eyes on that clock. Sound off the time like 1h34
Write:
10h50
